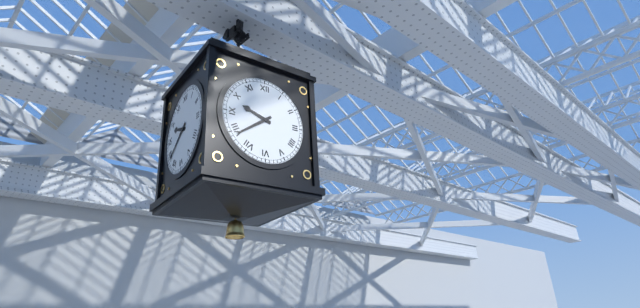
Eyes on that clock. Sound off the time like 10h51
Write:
9h39
